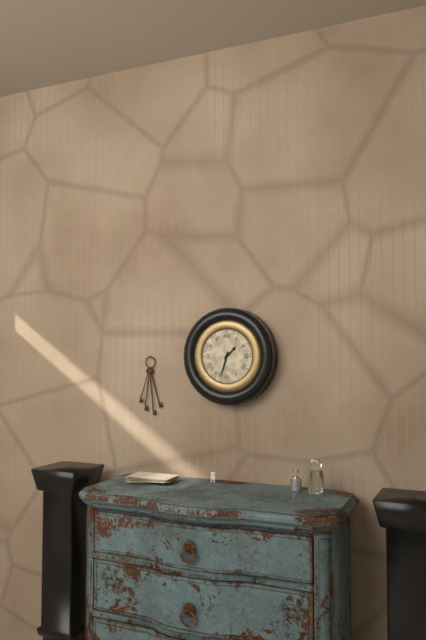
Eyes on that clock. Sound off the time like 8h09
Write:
1h33
